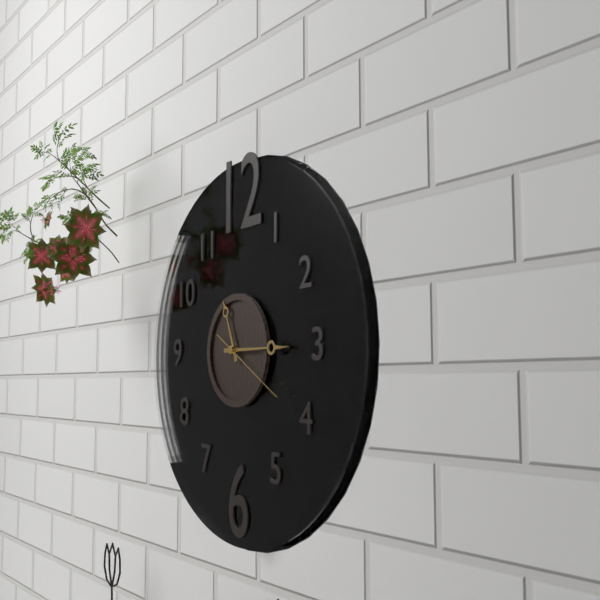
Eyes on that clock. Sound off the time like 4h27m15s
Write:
11h15m20s
